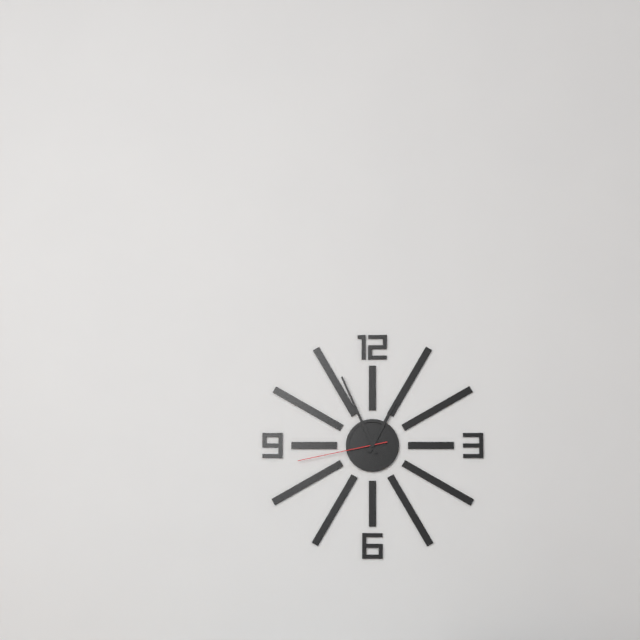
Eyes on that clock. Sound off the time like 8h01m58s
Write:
12h56m43s
